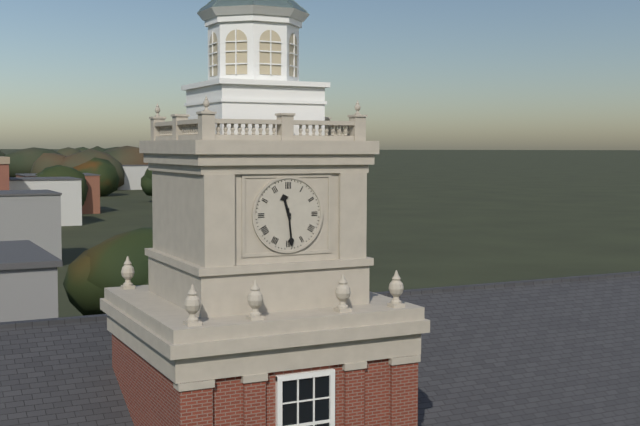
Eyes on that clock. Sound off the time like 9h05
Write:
11h29
